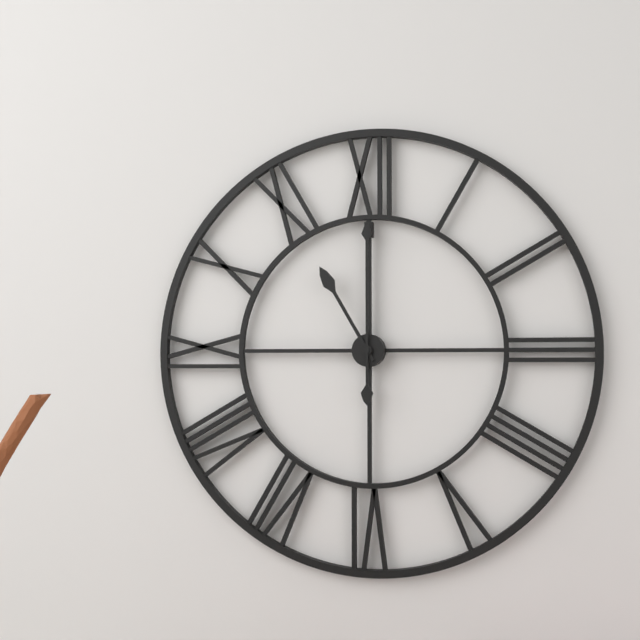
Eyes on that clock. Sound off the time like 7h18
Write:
11h00
